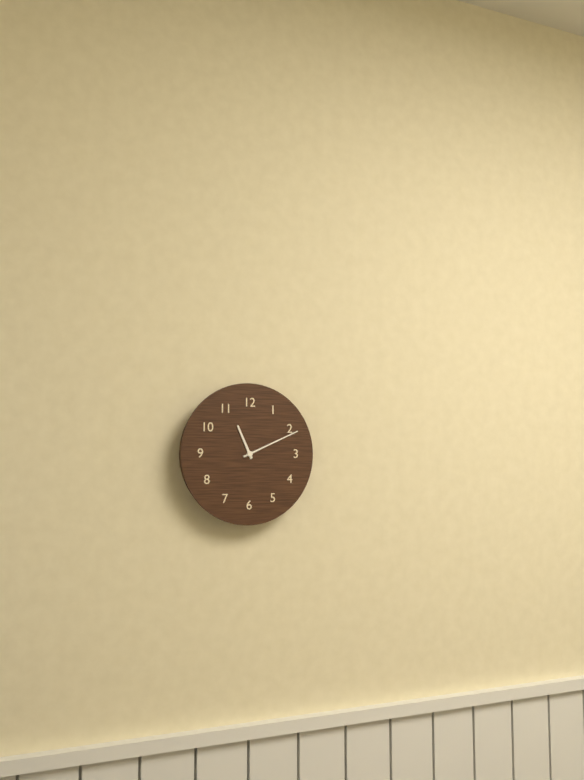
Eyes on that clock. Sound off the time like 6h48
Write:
11h11
